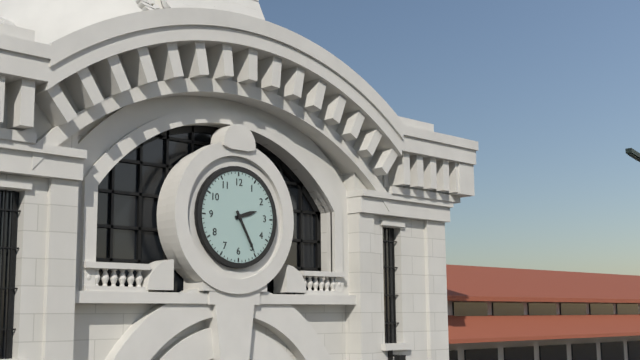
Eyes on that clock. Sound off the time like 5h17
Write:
2h25
